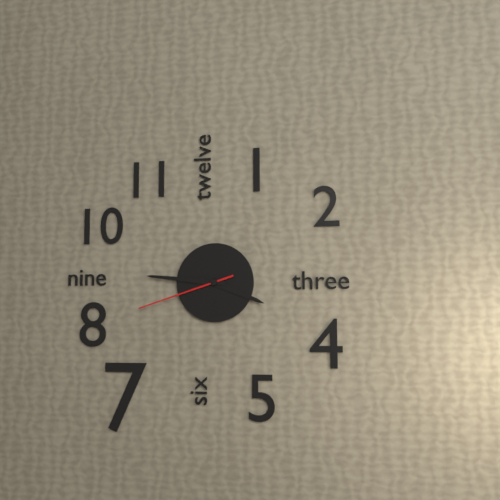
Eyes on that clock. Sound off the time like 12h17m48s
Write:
3h46m42s
